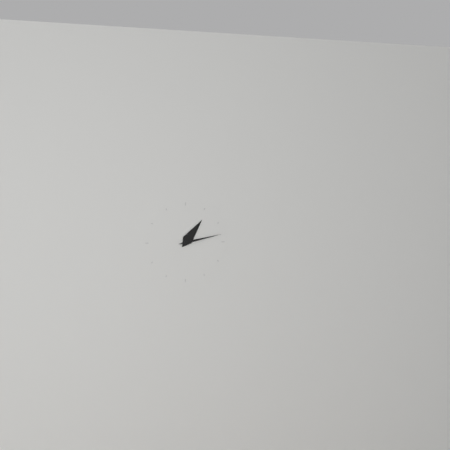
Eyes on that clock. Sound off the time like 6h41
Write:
1h13
